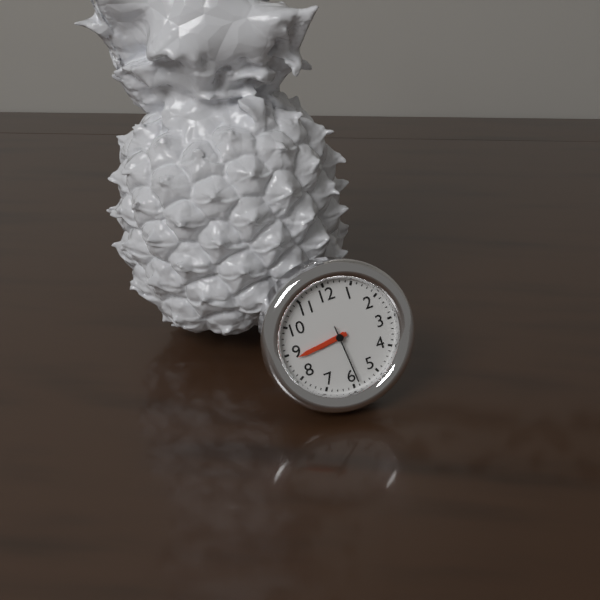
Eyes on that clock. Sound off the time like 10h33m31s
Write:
8h44m29s
